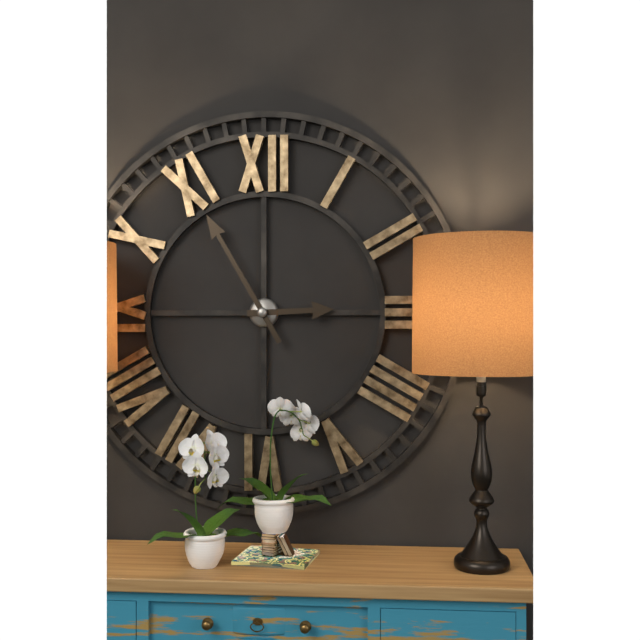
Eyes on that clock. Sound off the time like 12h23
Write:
2h55
